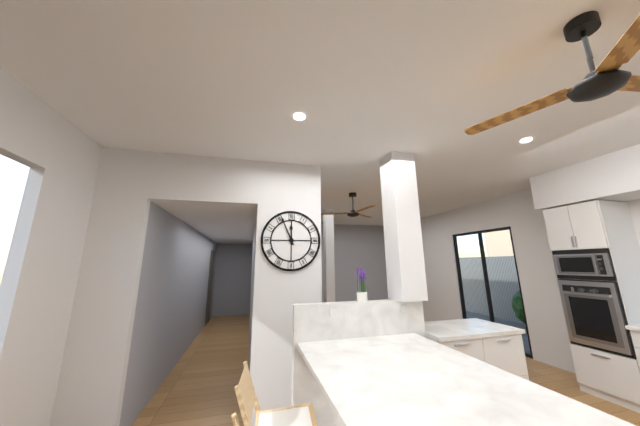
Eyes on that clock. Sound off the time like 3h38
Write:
11h56
